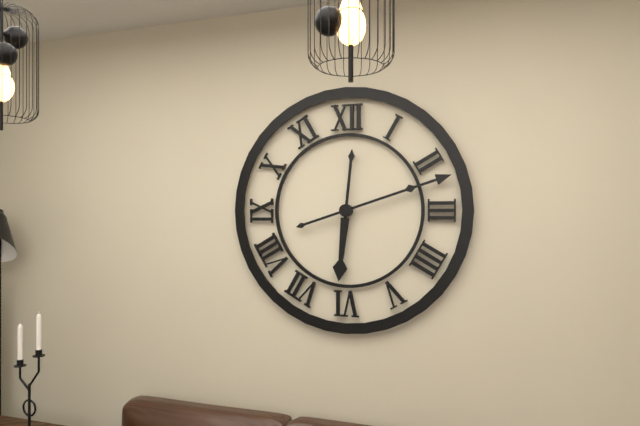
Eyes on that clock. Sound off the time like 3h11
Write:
6h12
